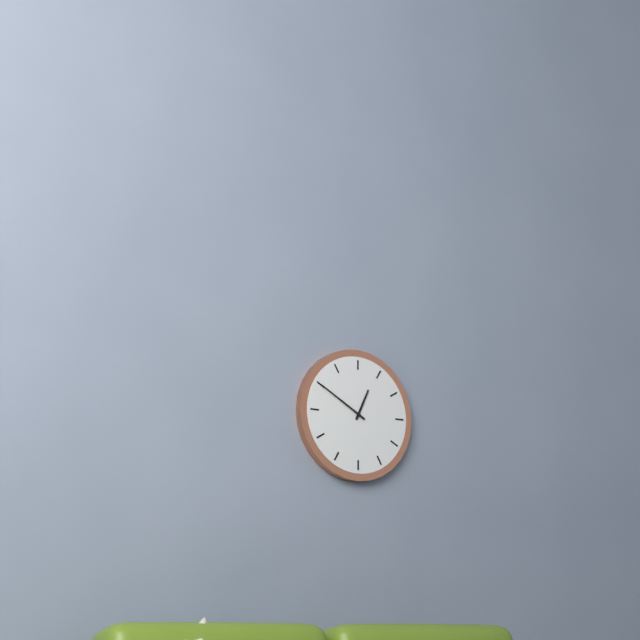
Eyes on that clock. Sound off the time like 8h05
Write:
12h50
